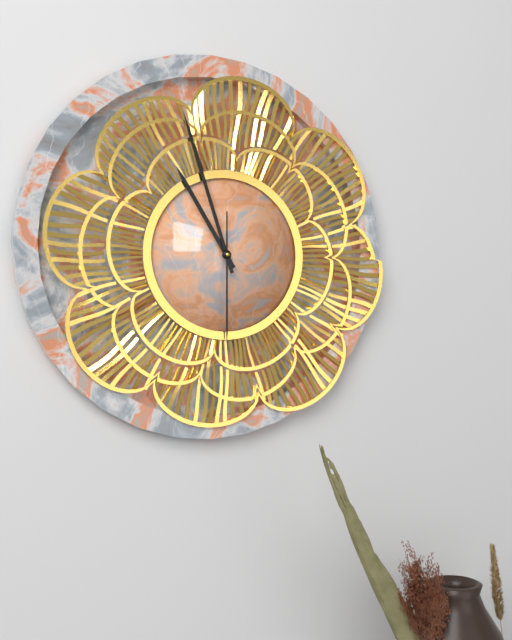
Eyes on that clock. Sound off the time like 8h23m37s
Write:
10h57m30s
